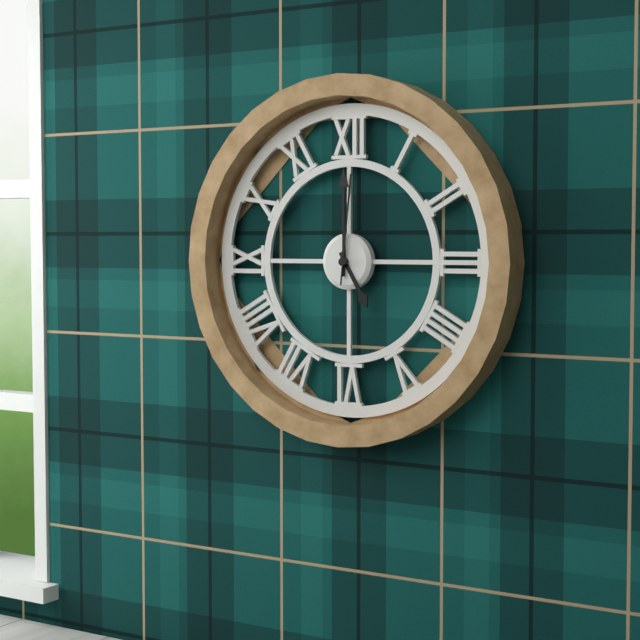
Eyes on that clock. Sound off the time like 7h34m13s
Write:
5h00m01s
